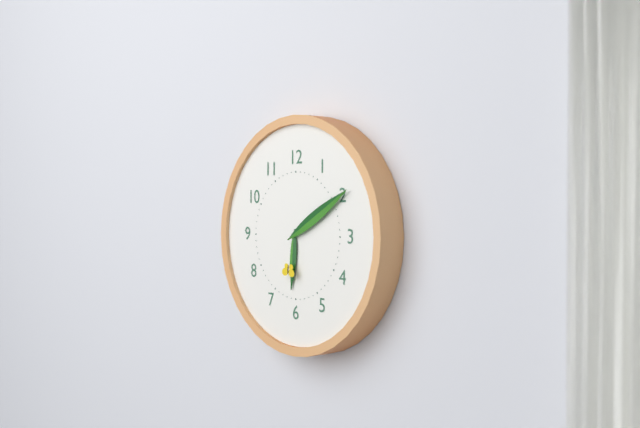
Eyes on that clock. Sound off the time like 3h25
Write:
6h10
